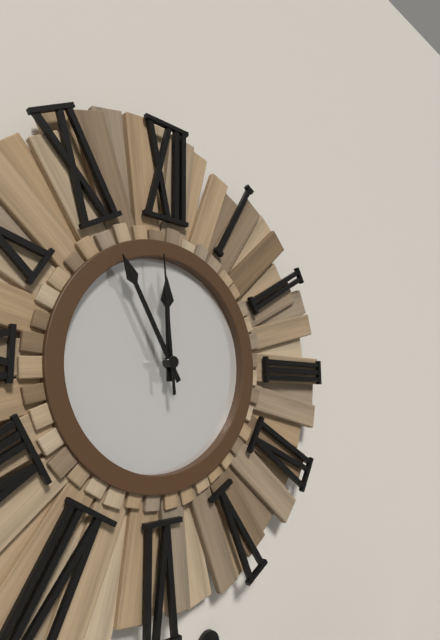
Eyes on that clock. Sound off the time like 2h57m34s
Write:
11h55m59s
